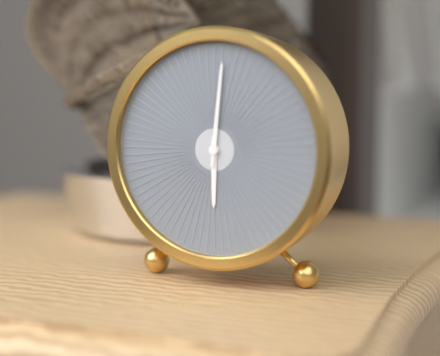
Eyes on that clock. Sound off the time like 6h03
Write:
6h01
